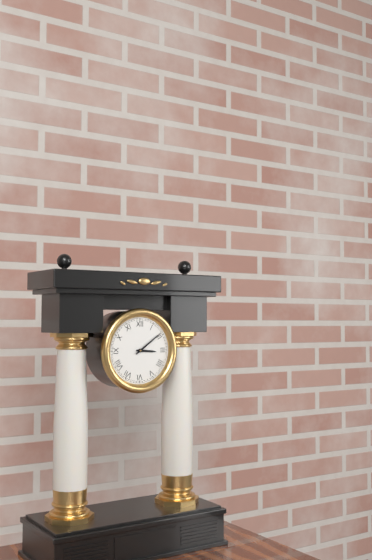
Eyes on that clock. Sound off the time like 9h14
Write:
3h09
